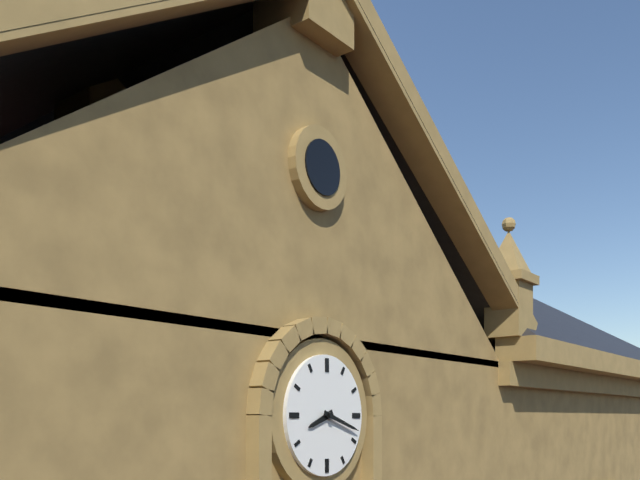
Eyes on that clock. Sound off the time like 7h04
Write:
8h18
